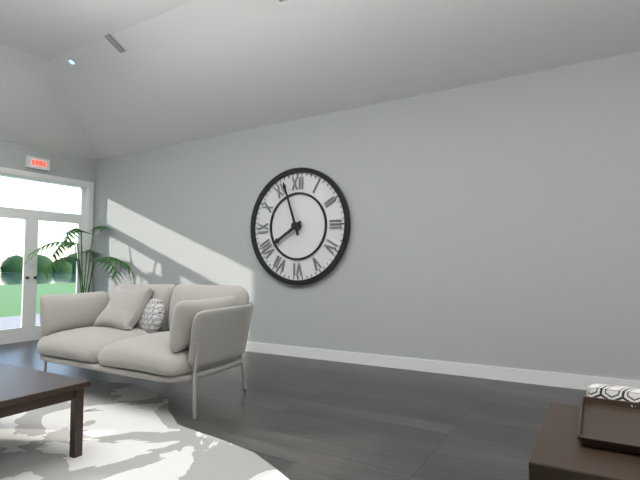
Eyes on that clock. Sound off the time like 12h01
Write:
7h57
